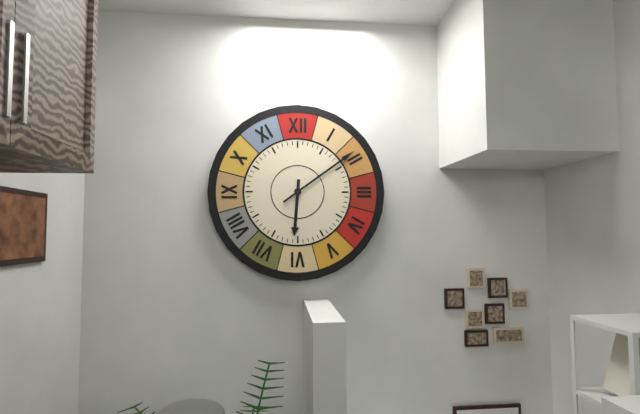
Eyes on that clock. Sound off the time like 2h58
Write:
6h09
